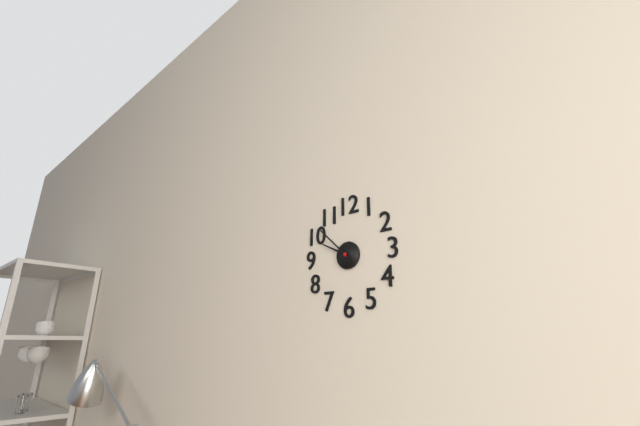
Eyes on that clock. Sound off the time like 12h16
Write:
9h52
